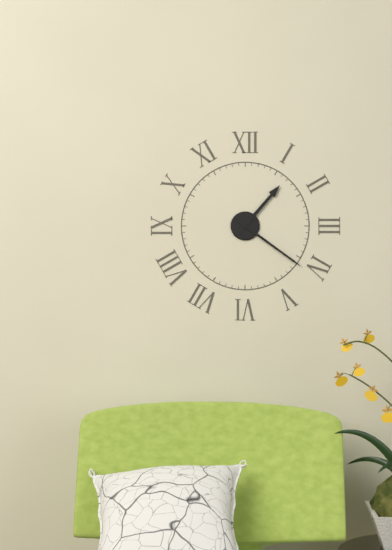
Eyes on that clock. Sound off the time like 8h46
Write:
1h21
